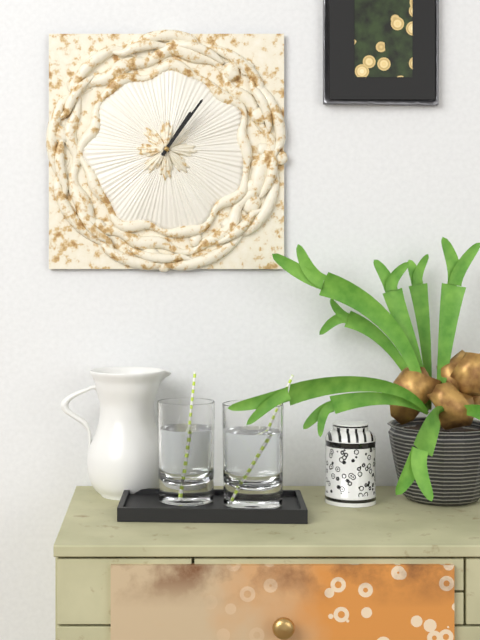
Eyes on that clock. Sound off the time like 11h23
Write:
1h06
